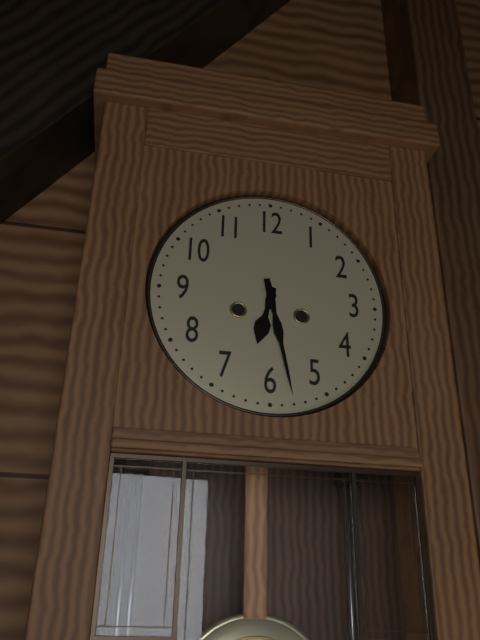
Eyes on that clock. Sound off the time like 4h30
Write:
6h28
